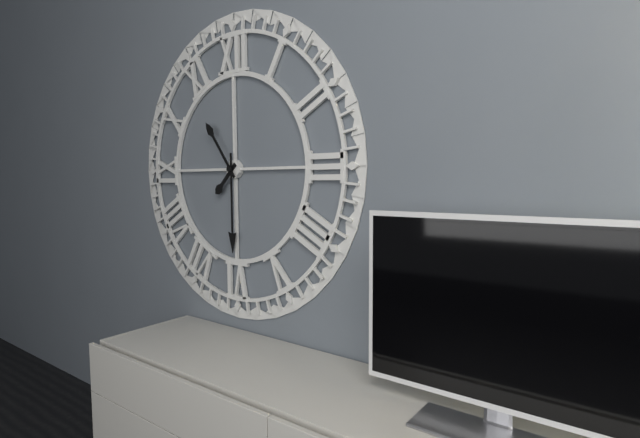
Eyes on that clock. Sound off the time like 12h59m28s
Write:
7h30m54s
